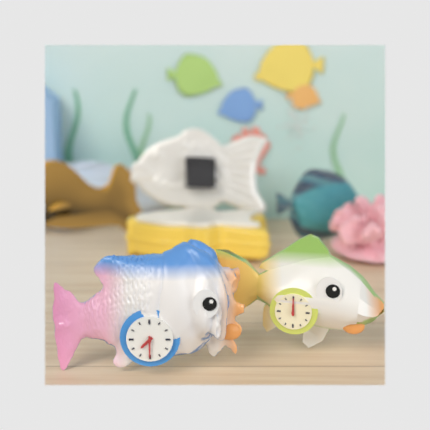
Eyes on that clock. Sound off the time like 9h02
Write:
7h30
